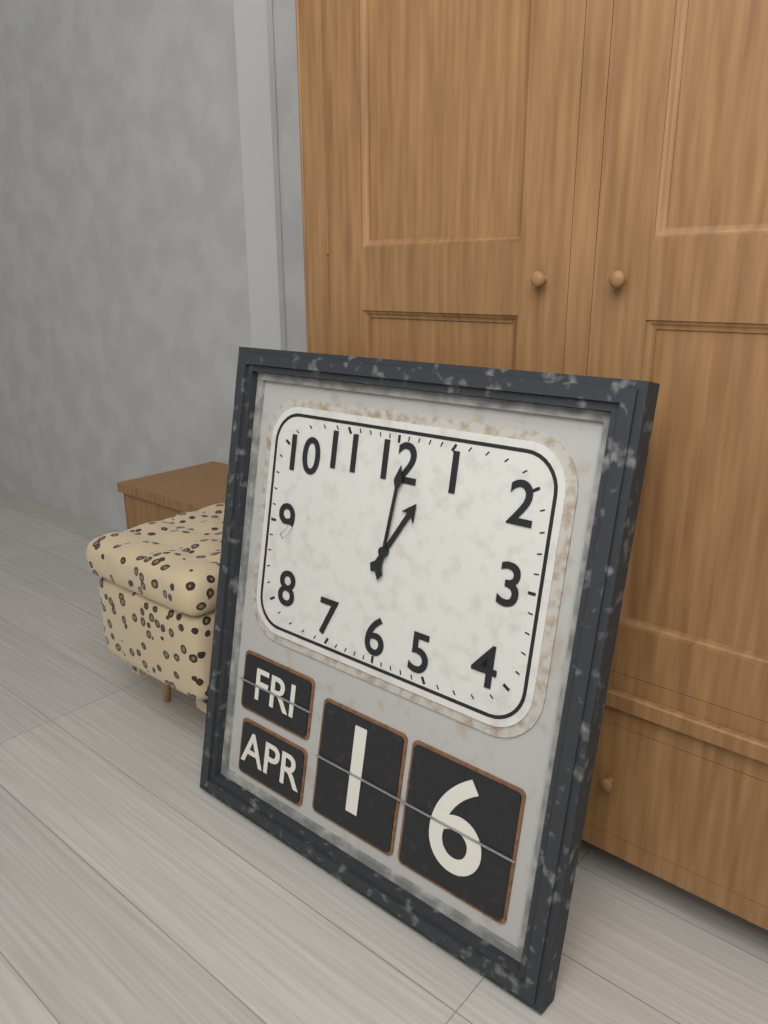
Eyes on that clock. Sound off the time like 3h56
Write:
1h01
